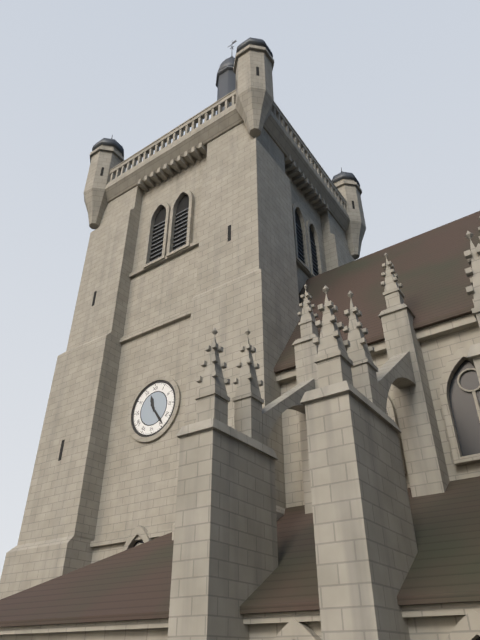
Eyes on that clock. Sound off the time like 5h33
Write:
11h24
